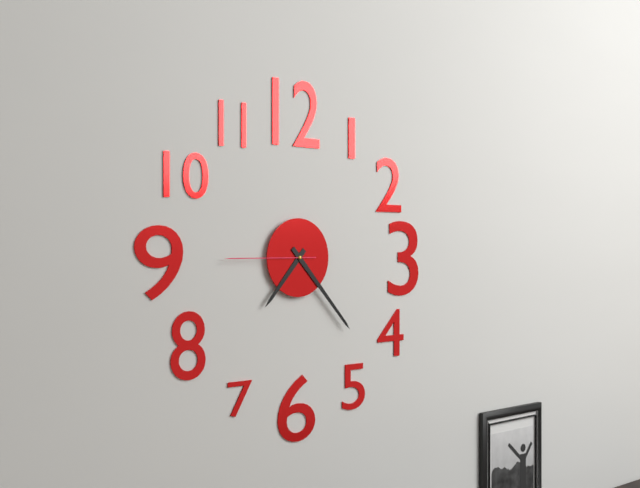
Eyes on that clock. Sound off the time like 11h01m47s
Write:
7h23m45s
